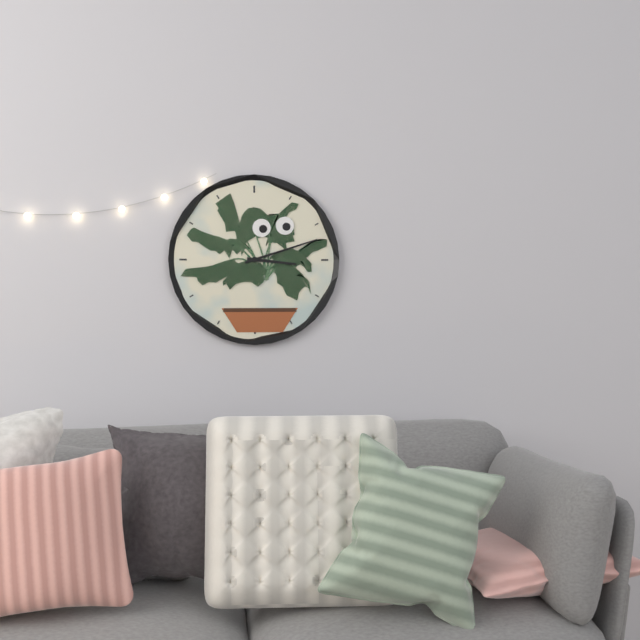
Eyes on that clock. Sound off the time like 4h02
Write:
3h12
